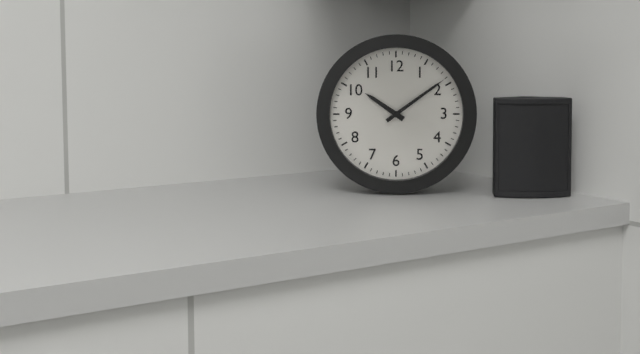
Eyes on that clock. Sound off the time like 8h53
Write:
10h09
